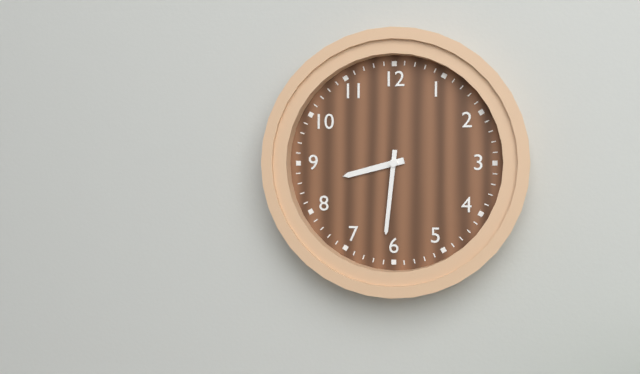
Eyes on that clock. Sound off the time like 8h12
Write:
8h31
